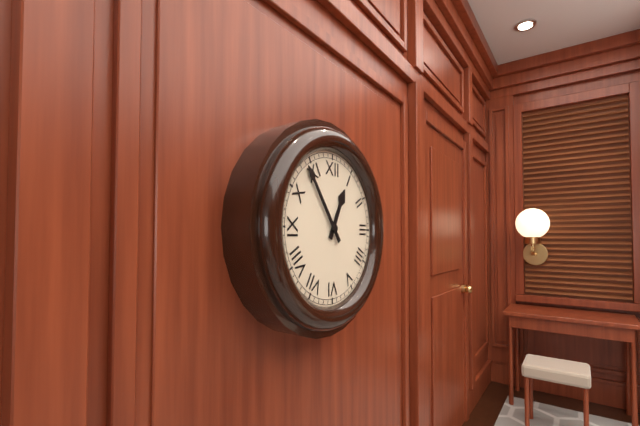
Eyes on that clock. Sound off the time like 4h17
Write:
12h54
